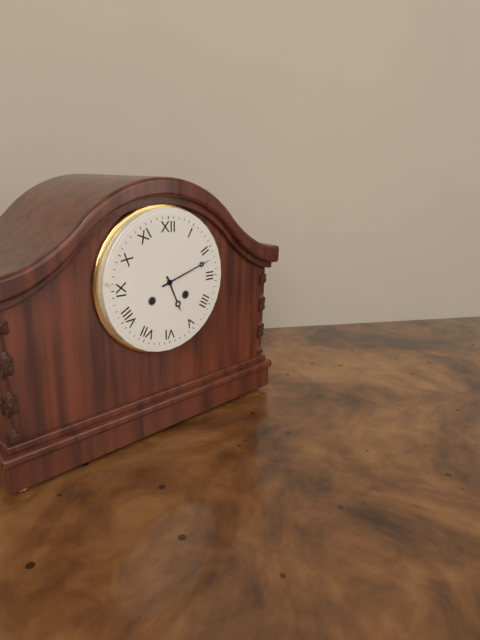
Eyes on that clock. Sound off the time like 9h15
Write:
5h12
